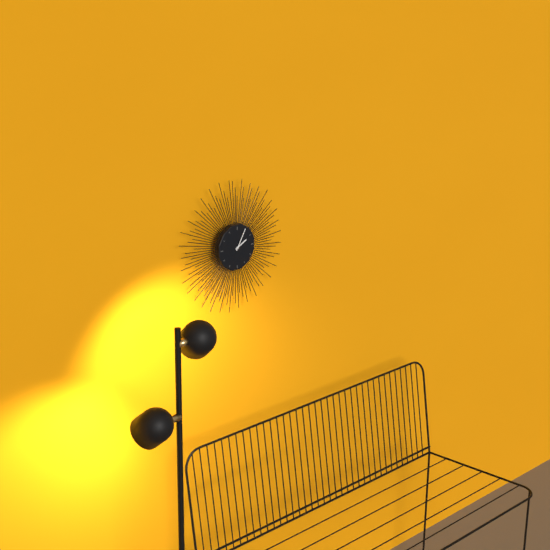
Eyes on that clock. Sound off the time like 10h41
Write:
2h05
